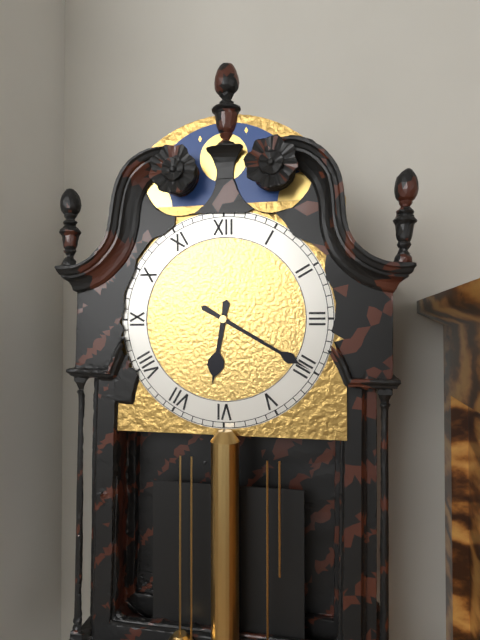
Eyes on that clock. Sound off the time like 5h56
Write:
6h20
